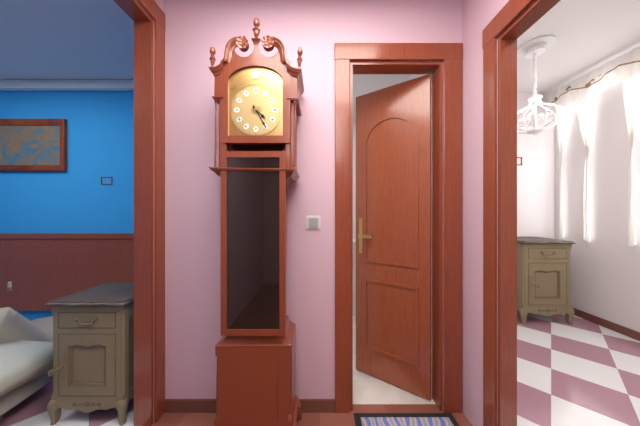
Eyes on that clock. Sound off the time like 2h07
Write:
4h25
